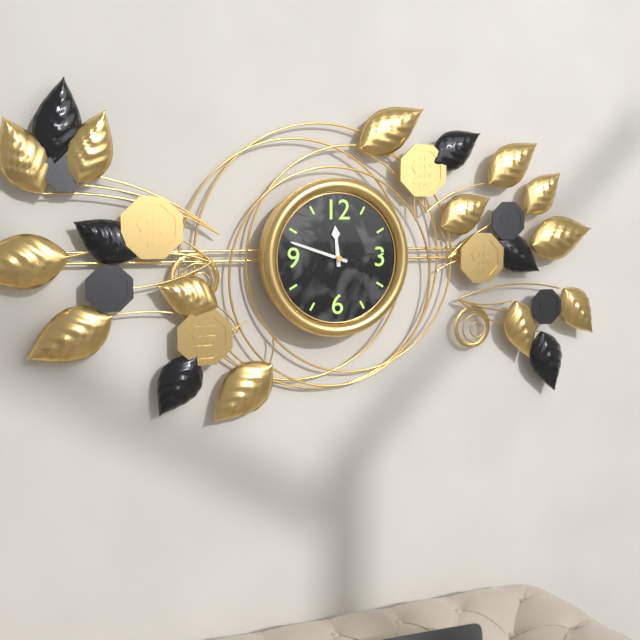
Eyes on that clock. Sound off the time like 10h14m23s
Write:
11h48m14s
